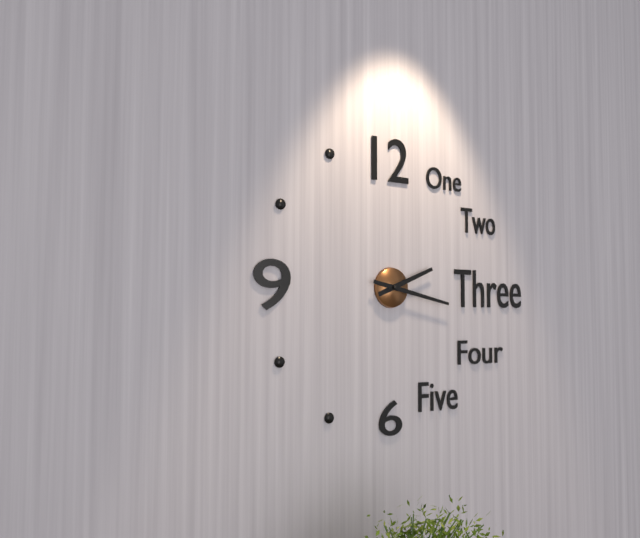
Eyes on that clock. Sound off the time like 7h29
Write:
2h17
